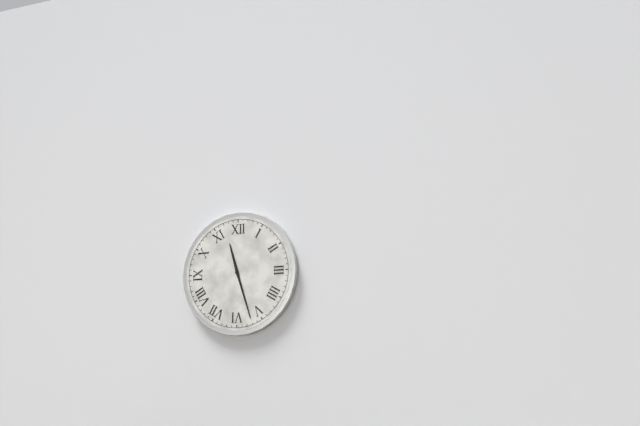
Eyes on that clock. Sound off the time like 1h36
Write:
11h27
